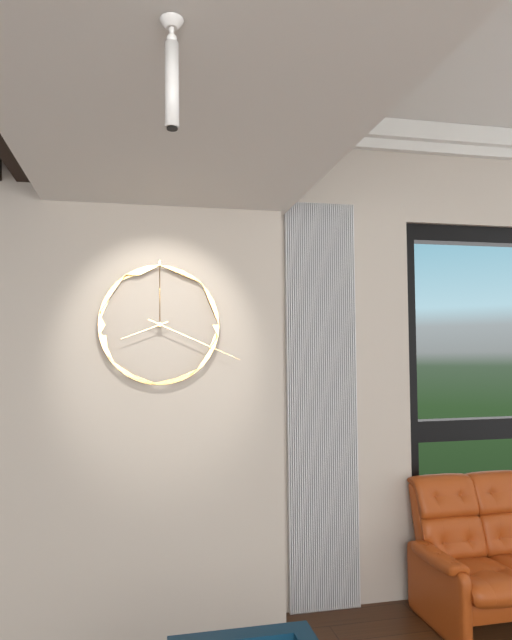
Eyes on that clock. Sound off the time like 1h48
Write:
8h19
